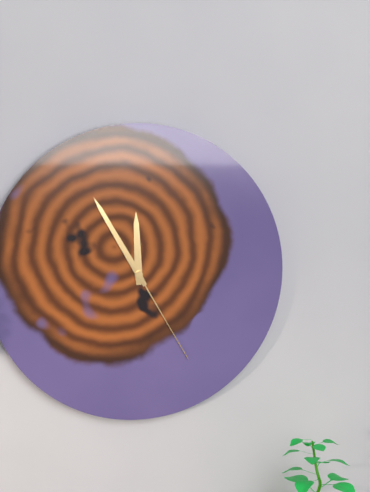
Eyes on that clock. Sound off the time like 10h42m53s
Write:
11h55m25s
